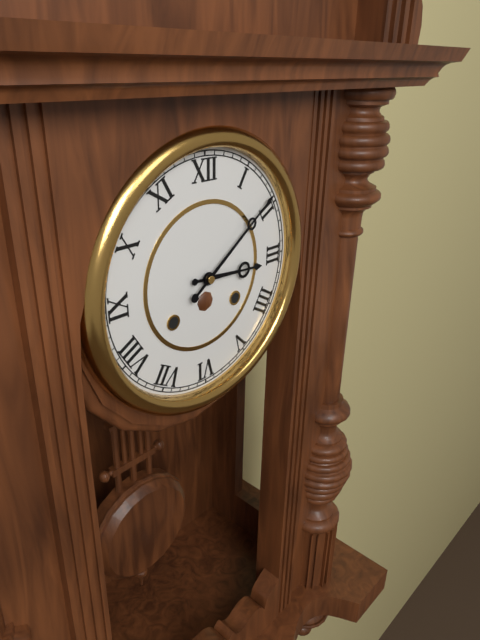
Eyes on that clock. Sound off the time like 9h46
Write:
3h09
